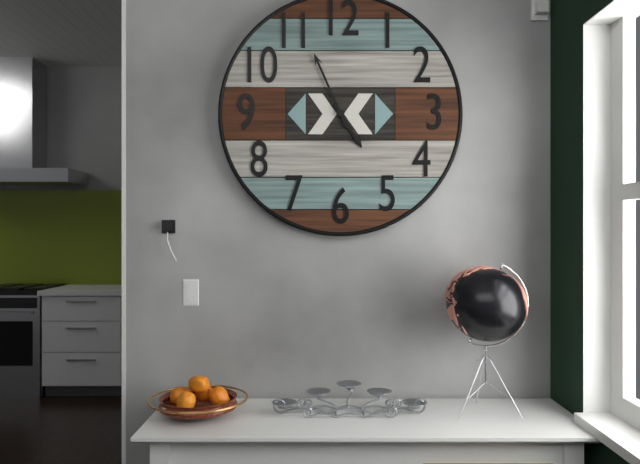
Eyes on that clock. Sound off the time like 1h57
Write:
4h56
